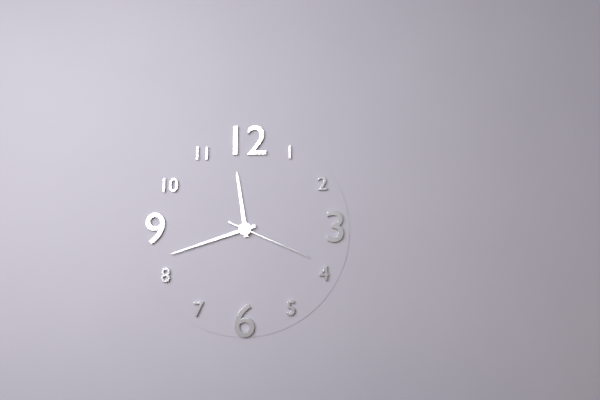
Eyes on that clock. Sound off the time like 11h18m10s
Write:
11h42m19s
